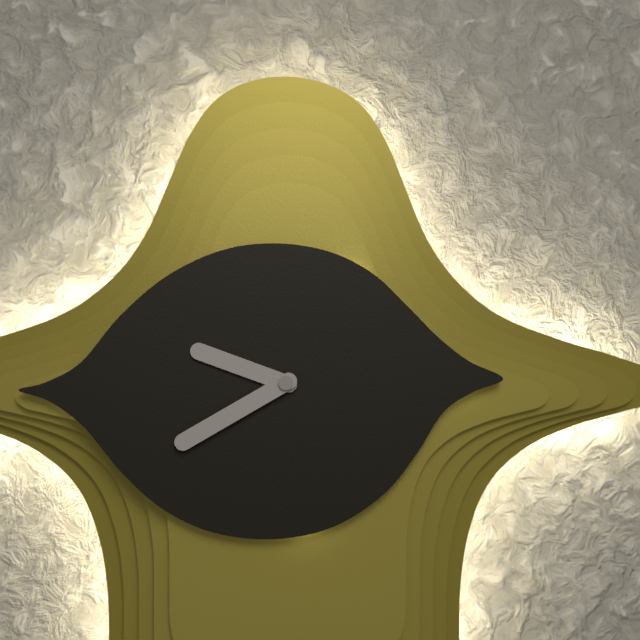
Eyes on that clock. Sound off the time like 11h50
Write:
9h40
